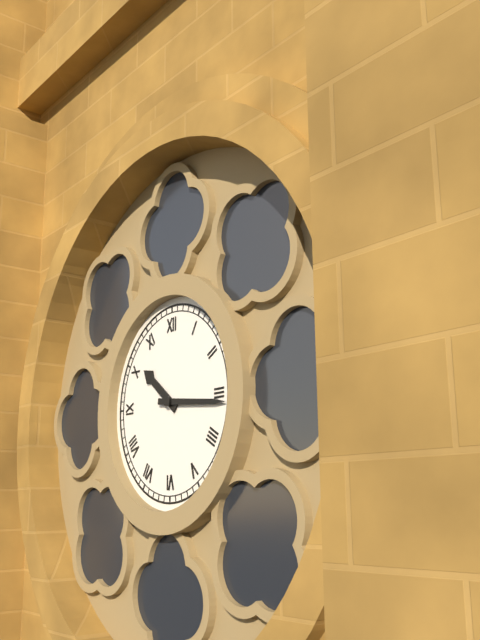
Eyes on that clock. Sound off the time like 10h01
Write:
10h16
